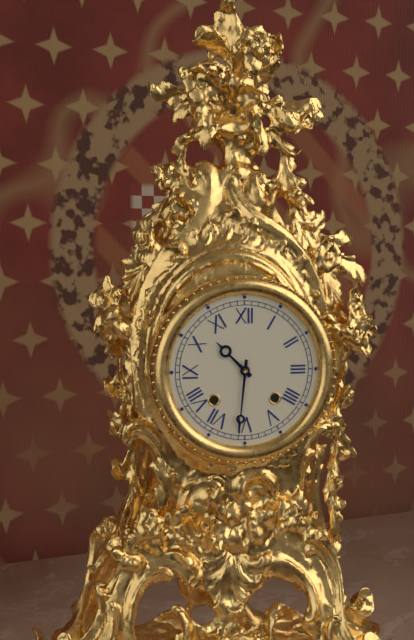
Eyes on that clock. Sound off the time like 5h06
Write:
10h31
